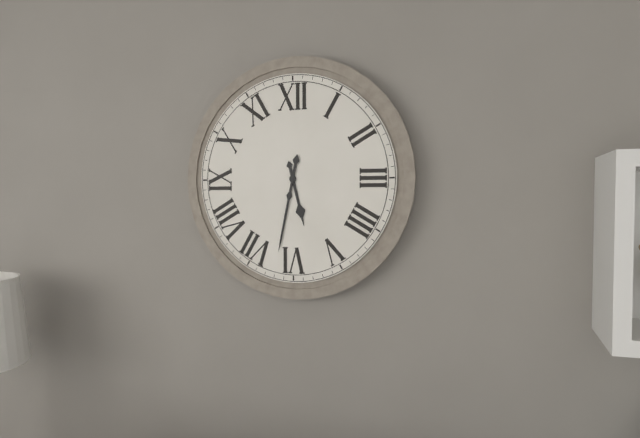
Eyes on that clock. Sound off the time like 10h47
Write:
5h32
